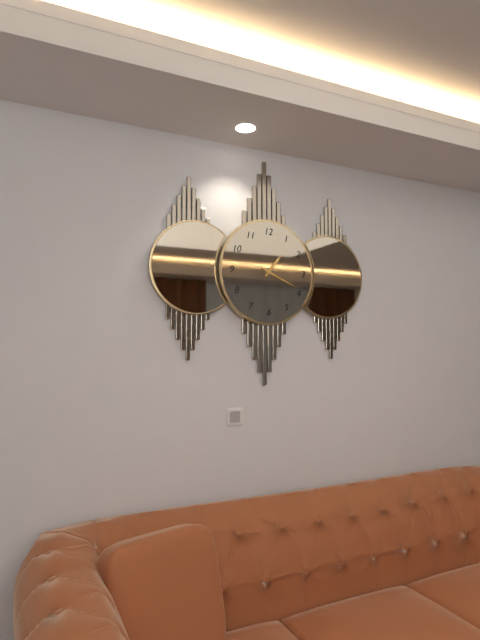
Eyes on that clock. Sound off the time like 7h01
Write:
1h19
